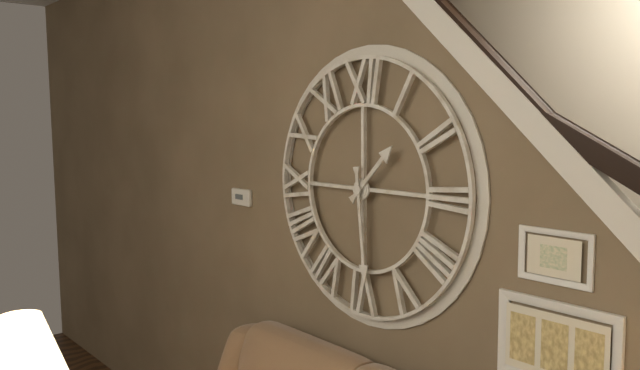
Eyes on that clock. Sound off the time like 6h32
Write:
1h29
